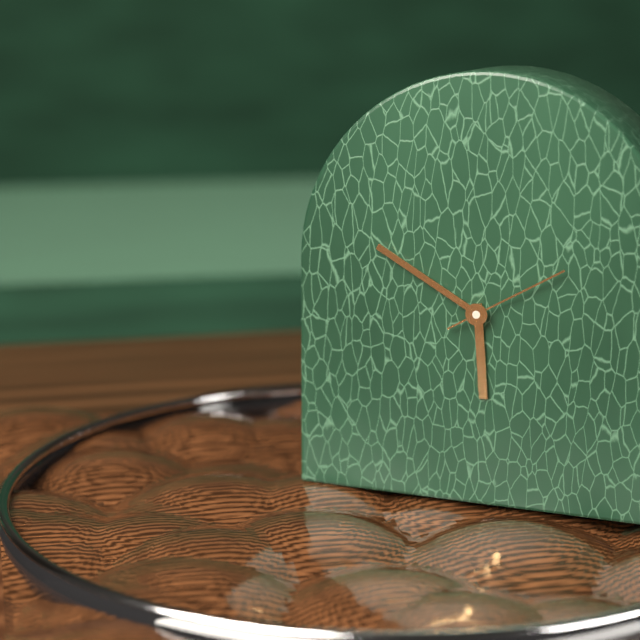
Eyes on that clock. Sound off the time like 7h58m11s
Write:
5h50m10s
